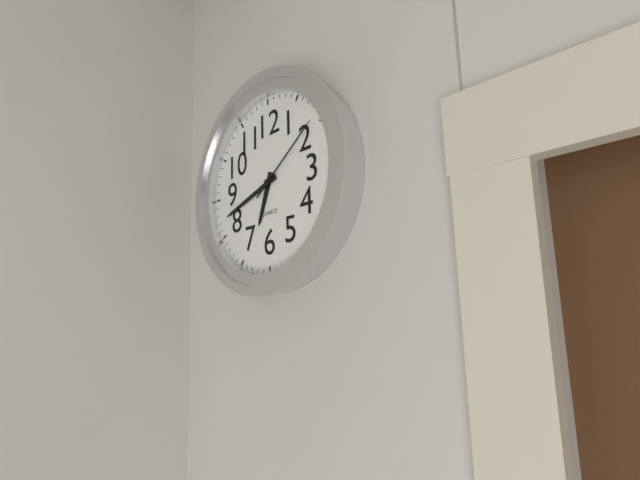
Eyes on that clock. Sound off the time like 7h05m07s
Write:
6h42m09s
